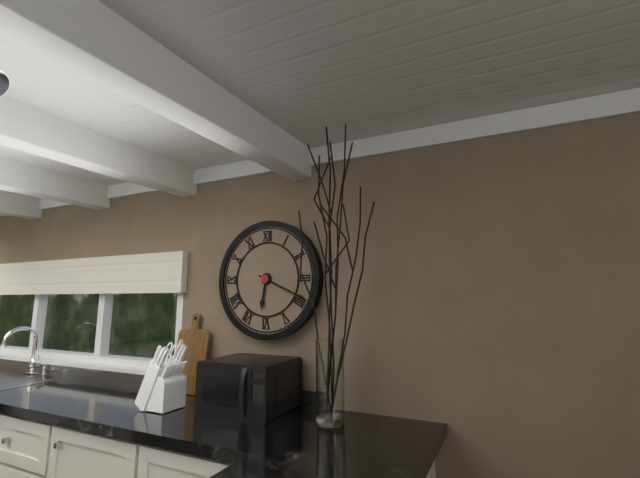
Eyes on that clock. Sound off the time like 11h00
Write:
6h19
